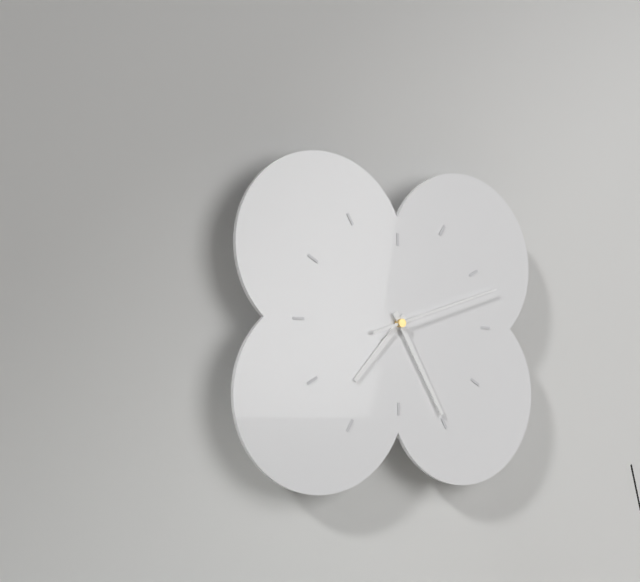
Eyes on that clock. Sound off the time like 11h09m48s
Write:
7h25m12s
